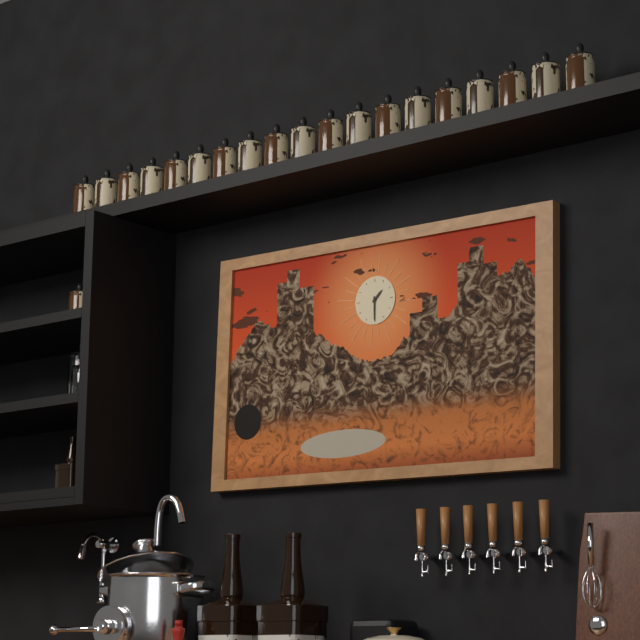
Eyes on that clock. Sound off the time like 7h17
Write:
1h30
